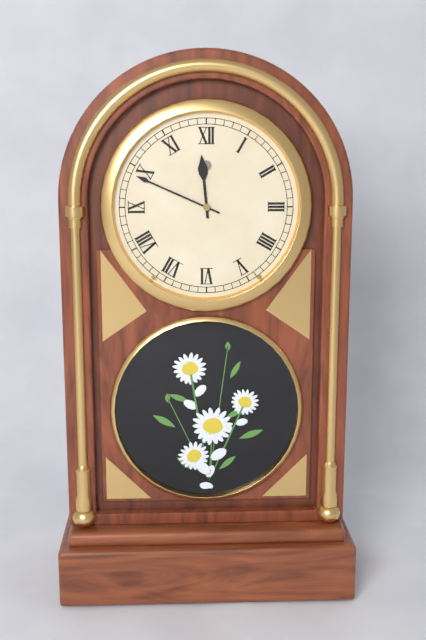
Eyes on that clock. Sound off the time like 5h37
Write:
11h49
